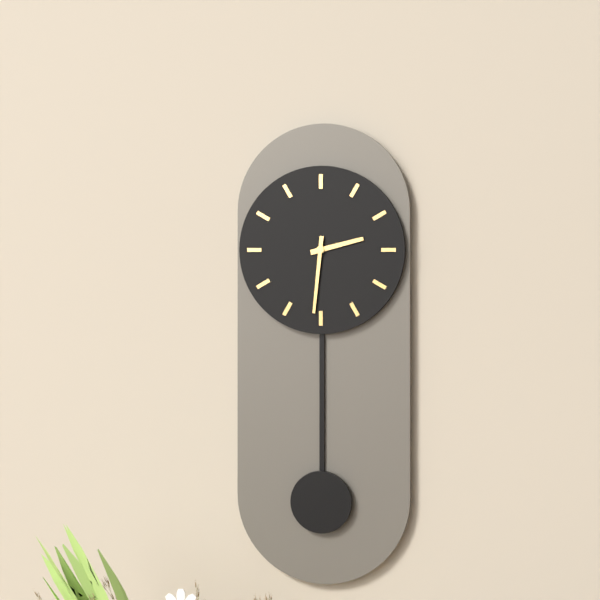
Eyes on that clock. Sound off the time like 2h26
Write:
2h31
